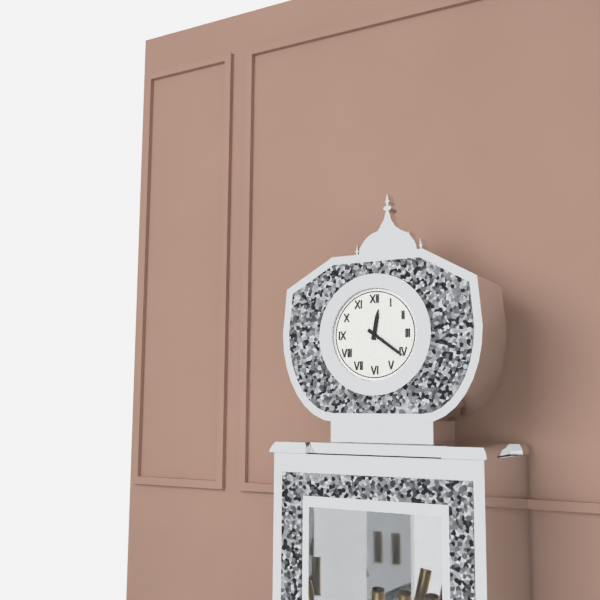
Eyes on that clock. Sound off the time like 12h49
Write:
12h21
